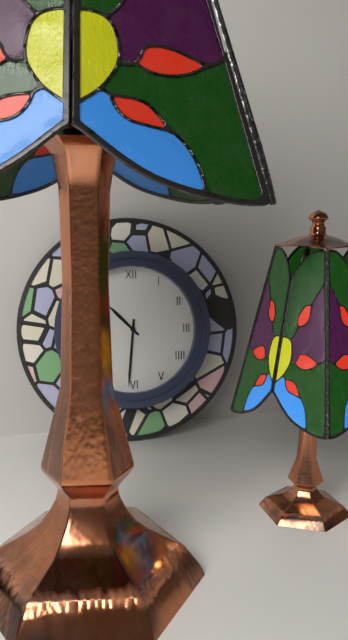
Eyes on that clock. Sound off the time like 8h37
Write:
10h31
